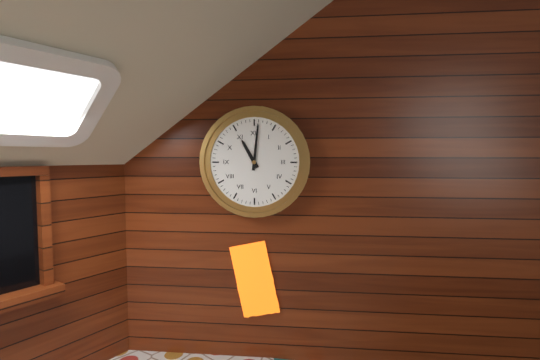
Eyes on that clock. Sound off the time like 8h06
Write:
11h01
